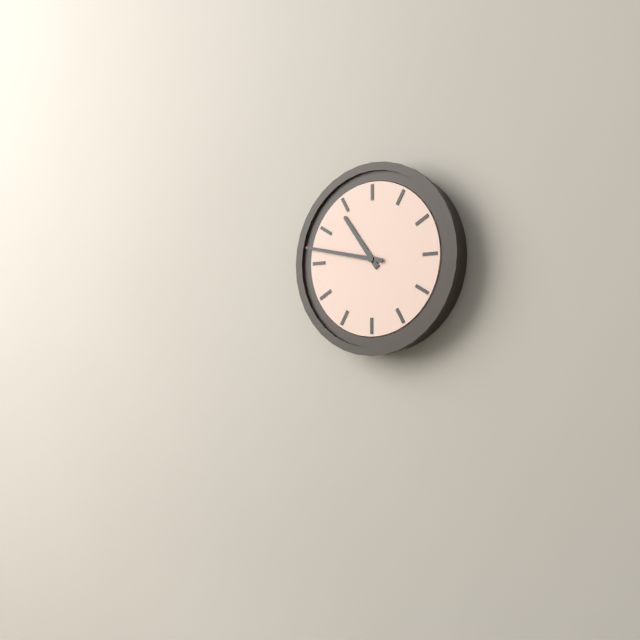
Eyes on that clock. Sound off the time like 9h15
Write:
10h47
